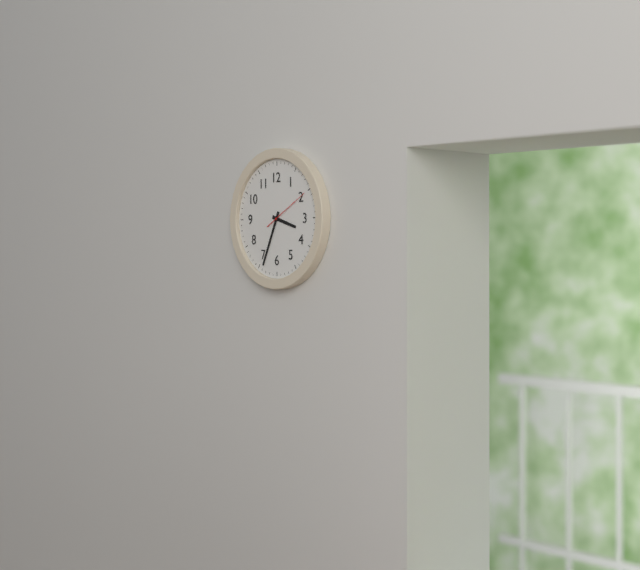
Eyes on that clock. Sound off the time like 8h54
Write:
3h34
